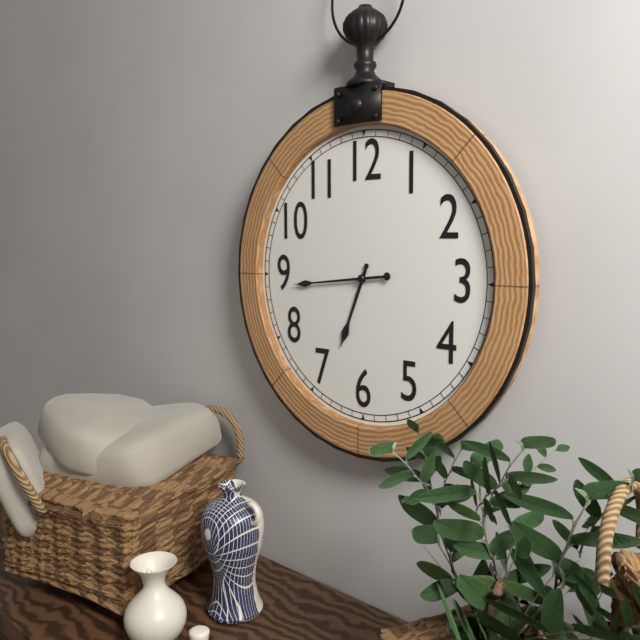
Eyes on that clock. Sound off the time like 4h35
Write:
6h44
